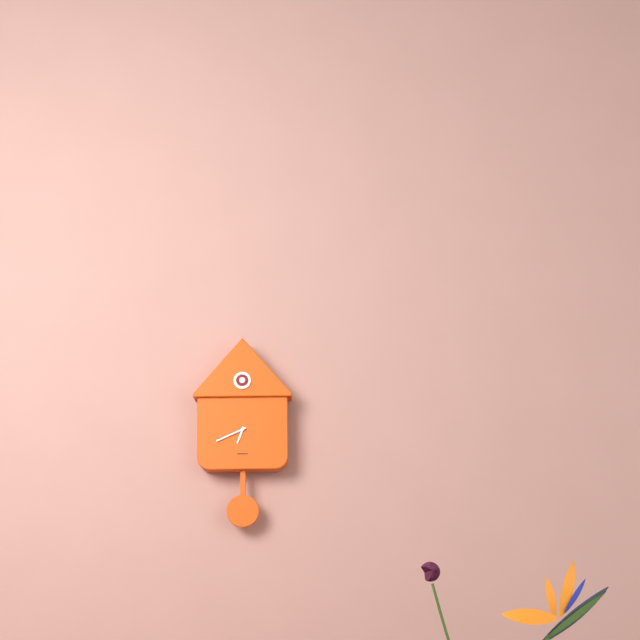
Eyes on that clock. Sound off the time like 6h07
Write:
6h41
